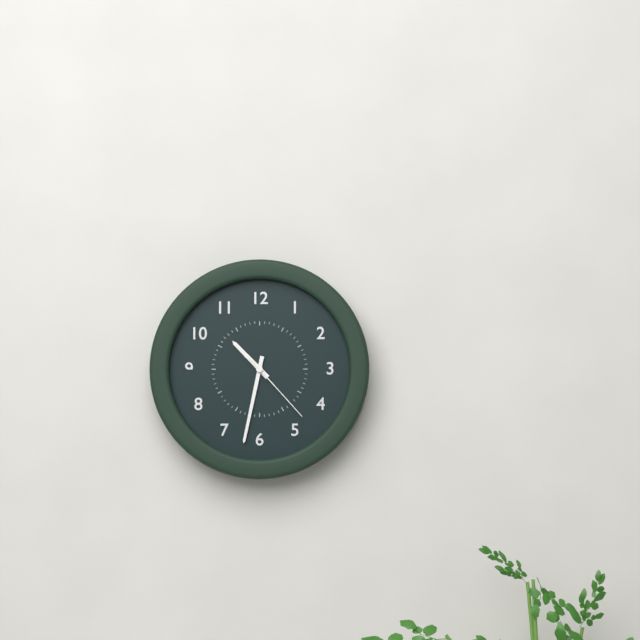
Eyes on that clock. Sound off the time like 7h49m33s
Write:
10h32m23s
